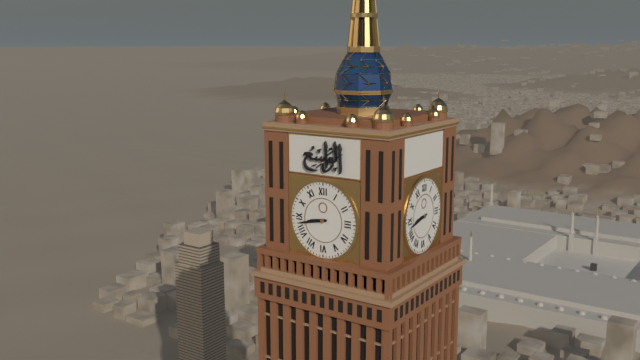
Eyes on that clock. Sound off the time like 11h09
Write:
8h43
